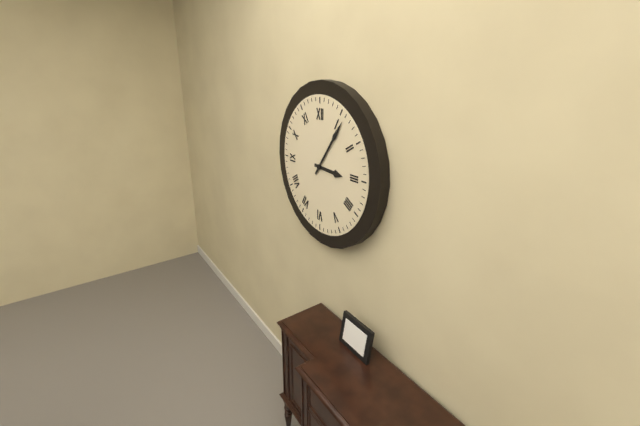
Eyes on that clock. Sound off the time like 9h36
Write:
3h06
